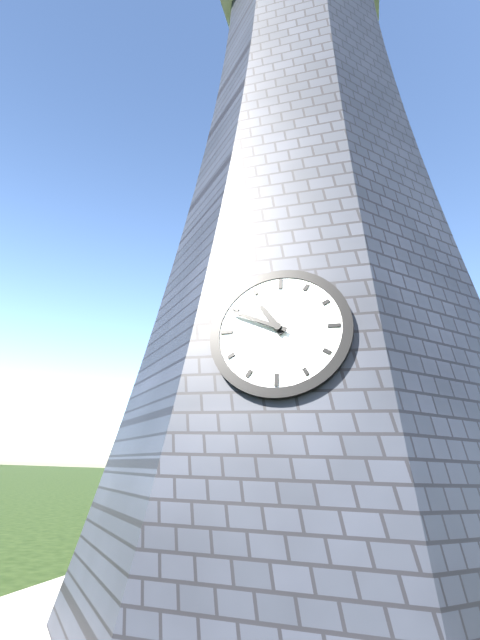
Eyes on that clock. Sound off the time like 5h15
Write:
10h49
